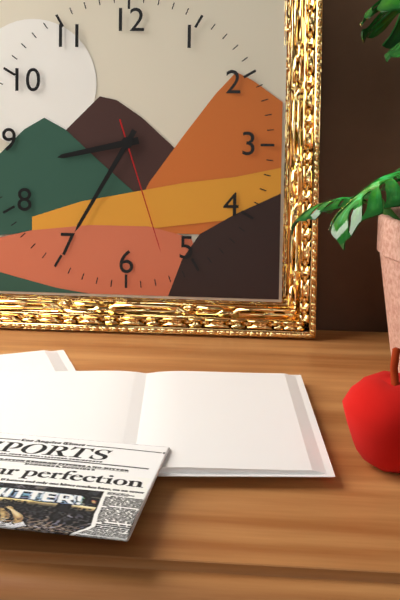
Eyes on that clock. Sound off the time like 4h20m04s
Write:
8h35m27s
